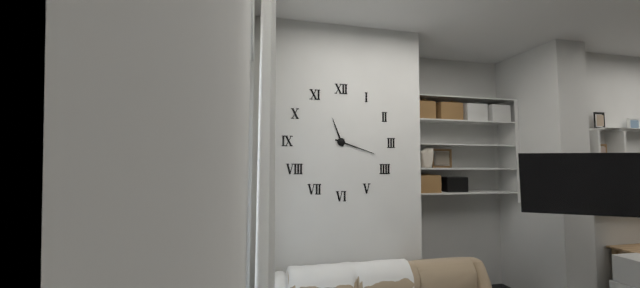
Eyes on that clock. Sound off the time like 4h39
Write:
11h18
